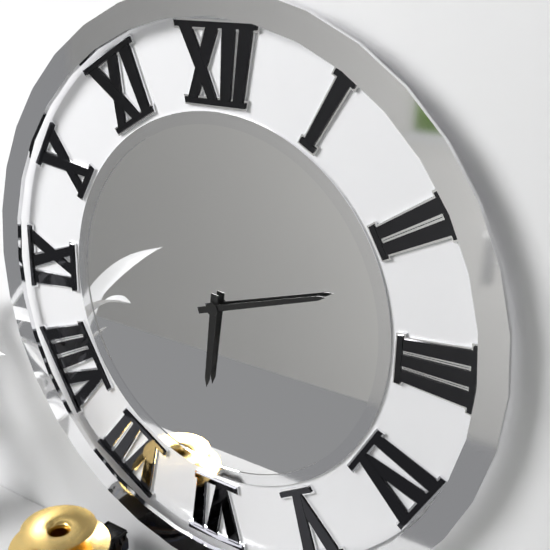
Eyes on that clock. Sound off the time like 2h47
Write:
6h12
